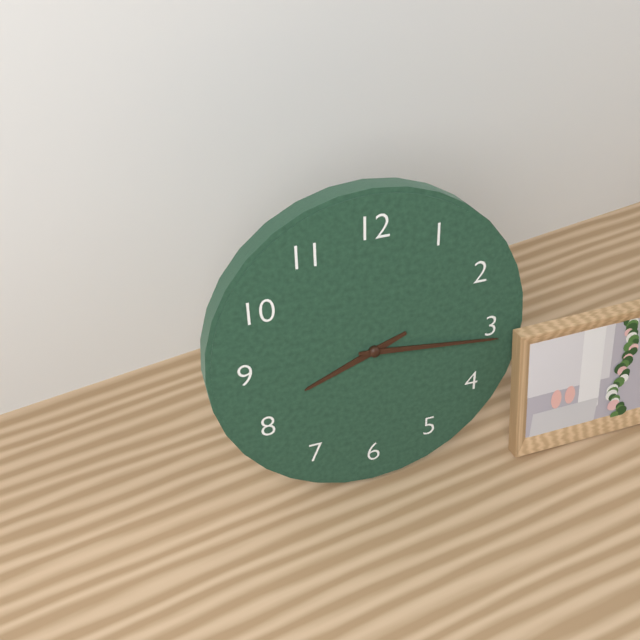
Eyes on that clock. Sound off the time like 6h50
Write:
8h16
